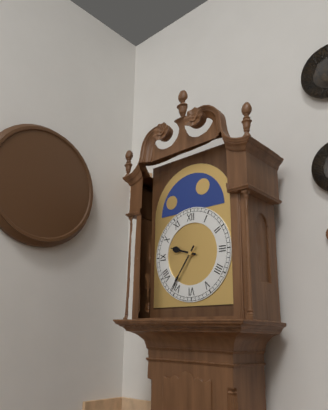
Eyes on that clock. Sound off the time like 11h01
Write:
9h36
